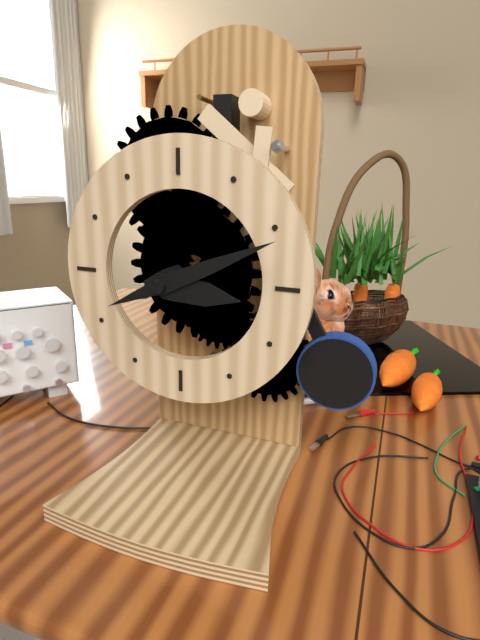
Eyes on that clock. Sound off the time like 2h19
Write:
3h11
